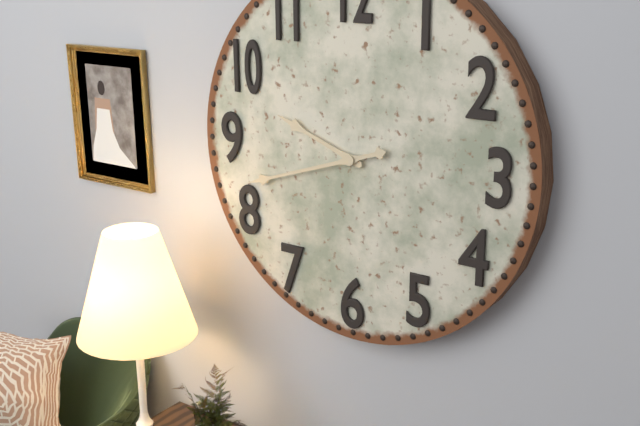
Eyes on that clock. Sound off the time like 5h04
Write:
9h42
